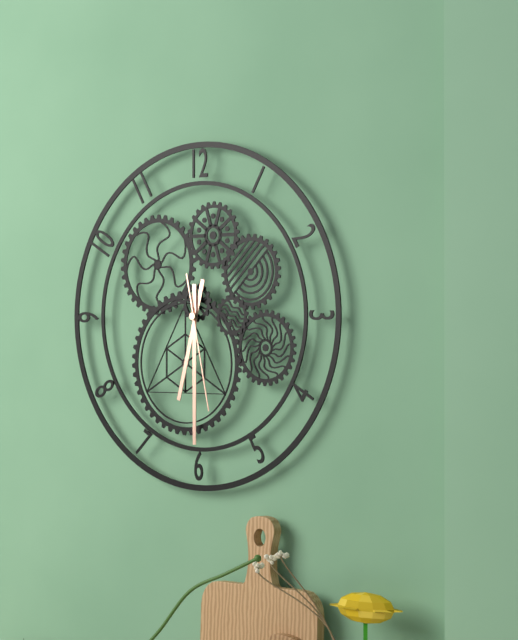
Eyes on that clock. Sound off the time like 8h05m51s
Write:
6h30m28s
